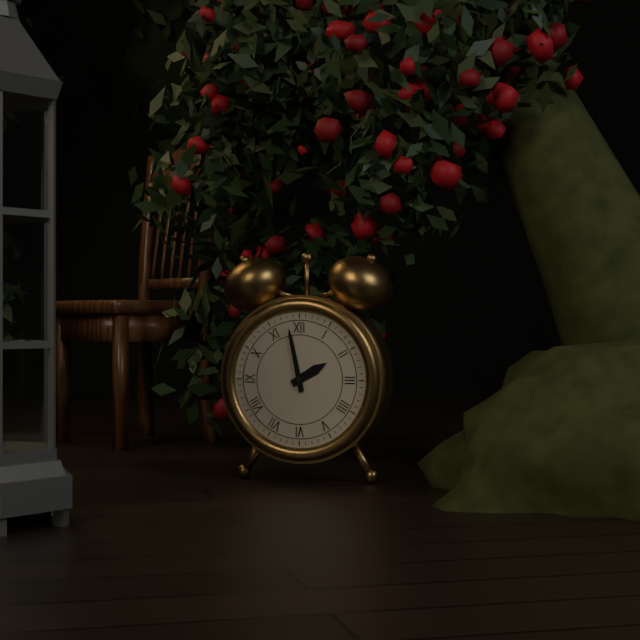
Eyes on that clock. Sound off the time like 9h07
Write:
1h58
